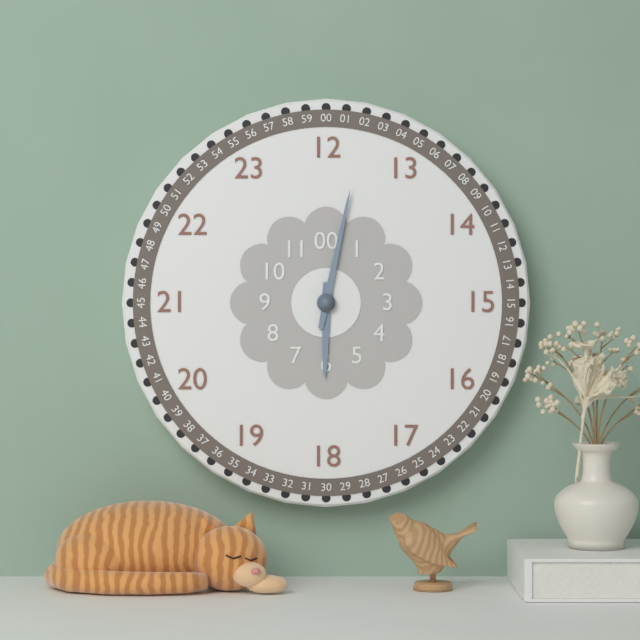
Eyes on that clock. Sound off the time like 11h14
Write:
6h02
